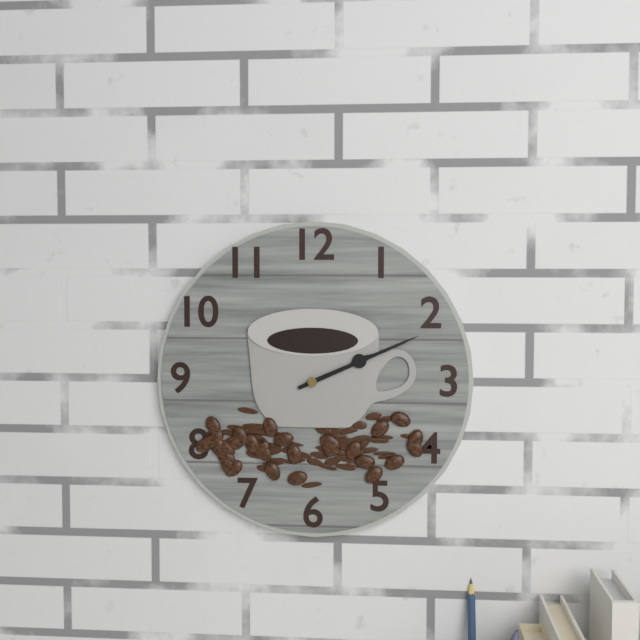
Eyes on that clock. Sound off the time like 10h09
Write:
2h11
